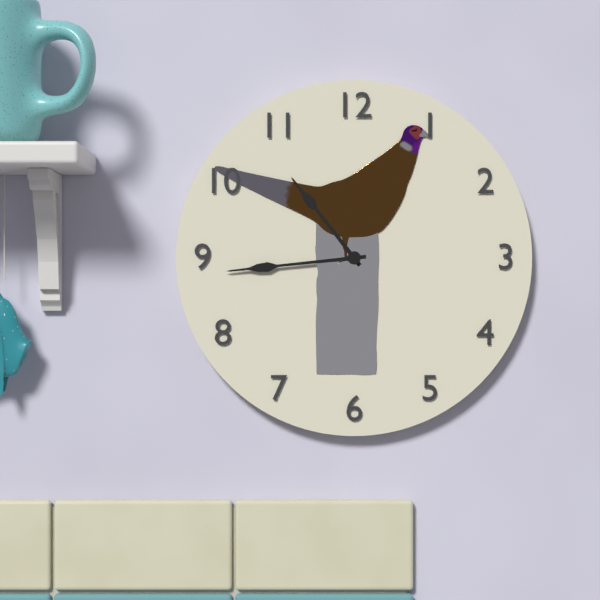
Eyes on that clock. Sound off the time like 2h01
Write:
10h44
